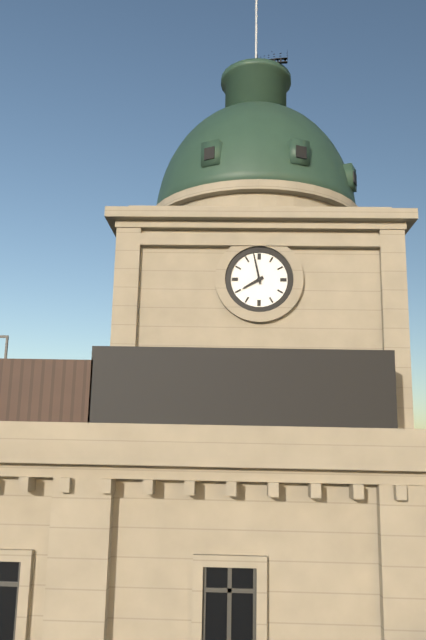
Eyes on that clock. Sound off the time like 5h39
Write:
7h58
